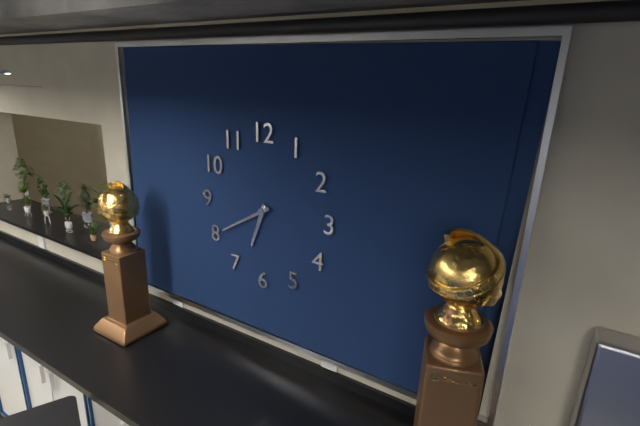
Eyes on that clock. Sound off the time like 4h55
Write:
6h40
